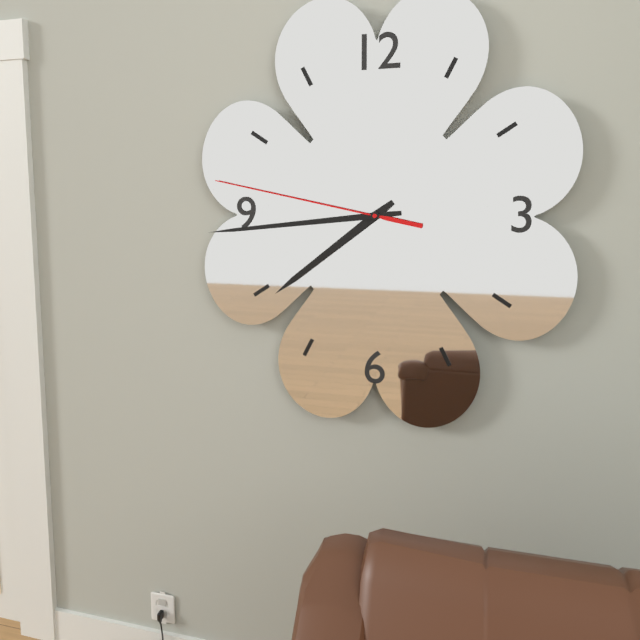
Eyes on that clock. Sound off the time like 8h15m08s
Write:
7h44m47s
